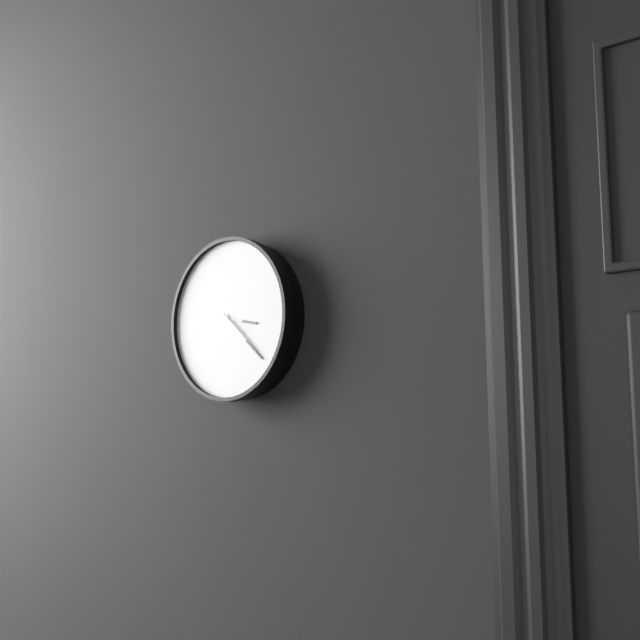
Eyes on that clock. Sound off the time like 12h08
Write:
3h22
